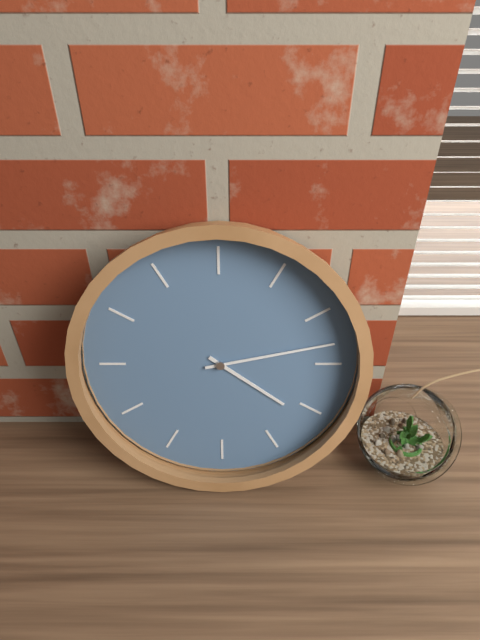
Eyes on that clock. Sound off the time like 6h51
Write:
4h13
